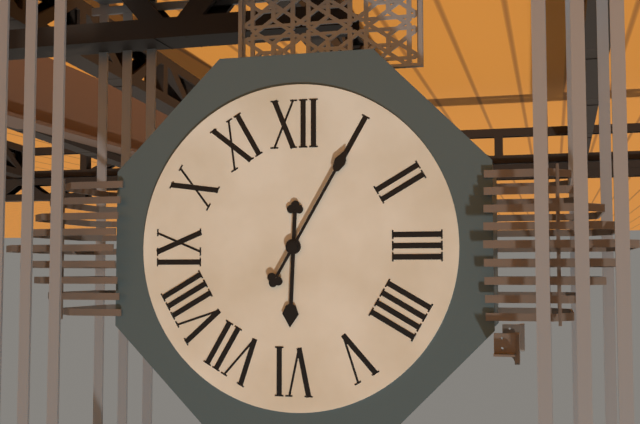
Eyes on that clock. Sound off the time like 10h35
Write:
6h05
